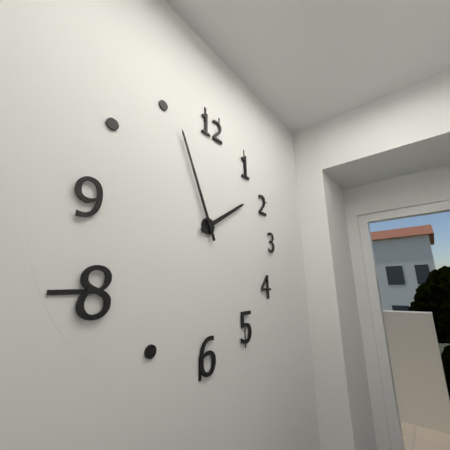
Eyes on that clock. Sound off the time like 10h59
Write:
1h56
